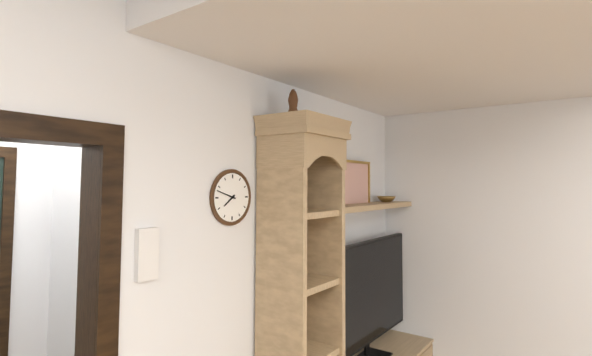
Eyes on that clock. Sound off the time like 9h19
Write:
7h48
